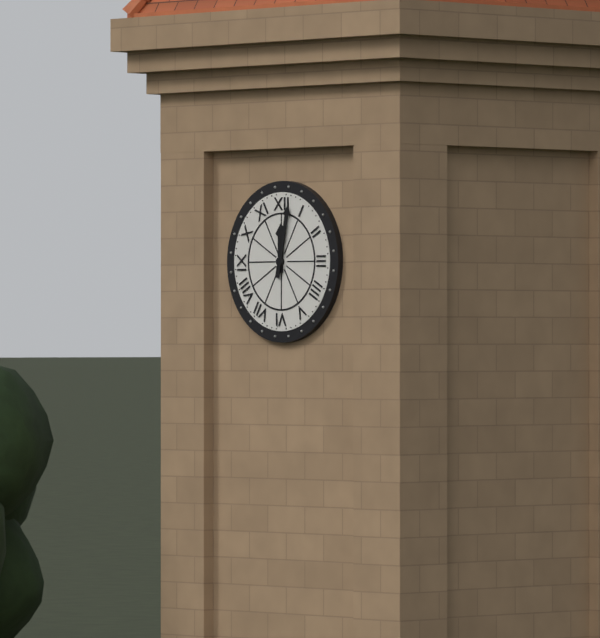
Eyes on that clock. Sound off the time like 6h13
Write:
12h02
